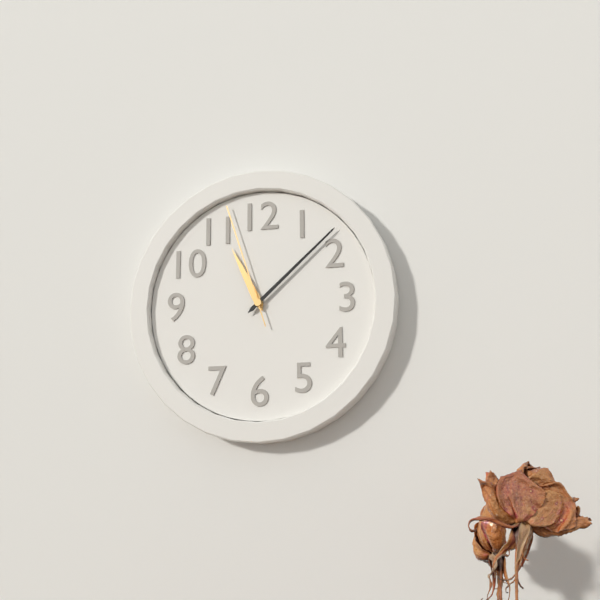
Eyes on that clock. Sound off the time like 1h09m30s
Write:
11h08m57s
